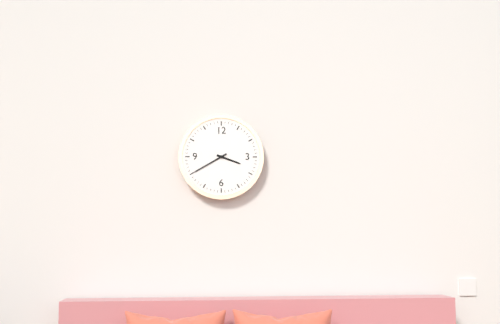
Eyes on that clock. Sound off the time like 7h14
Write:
3h40
